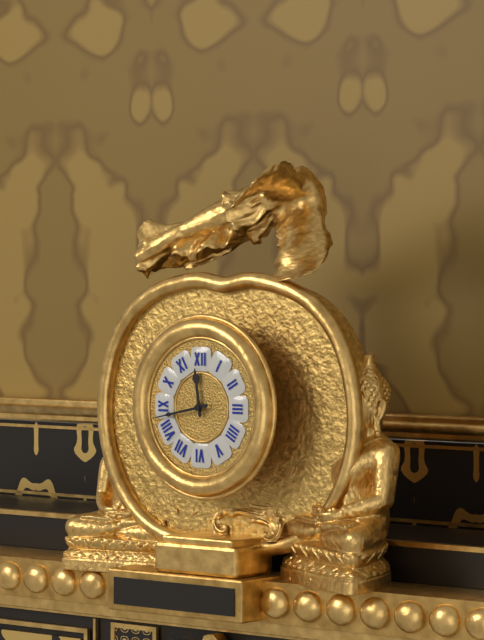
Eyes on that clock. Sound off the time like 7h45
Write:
11h43
